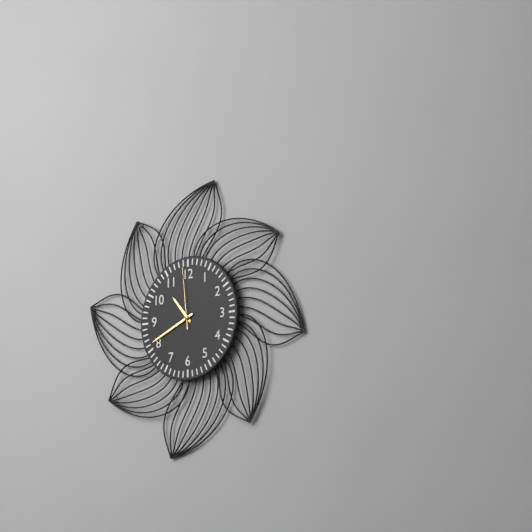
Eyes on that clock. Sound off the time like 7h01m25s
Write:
10h41m59s
